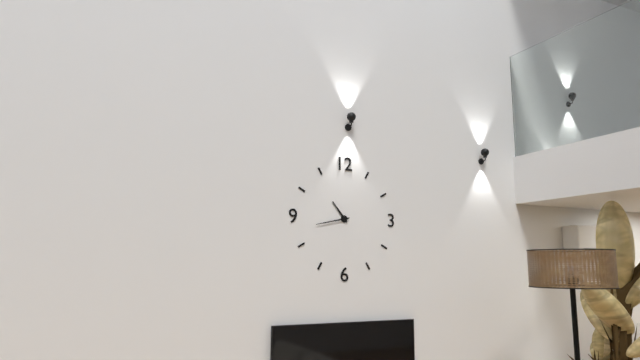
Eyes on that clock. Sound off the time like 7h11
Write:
10h43
